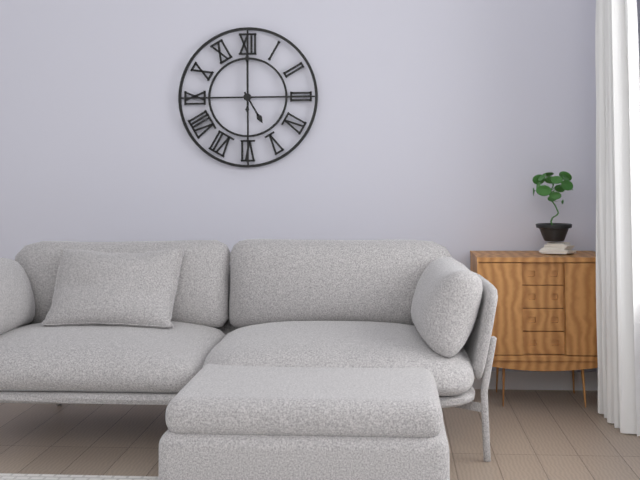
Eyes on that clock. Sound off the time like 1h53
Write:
5h00
